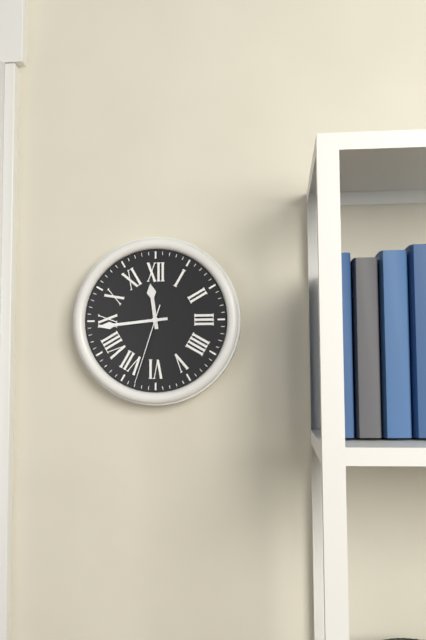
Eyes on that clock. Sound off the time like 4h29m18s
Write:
11h44m33s
